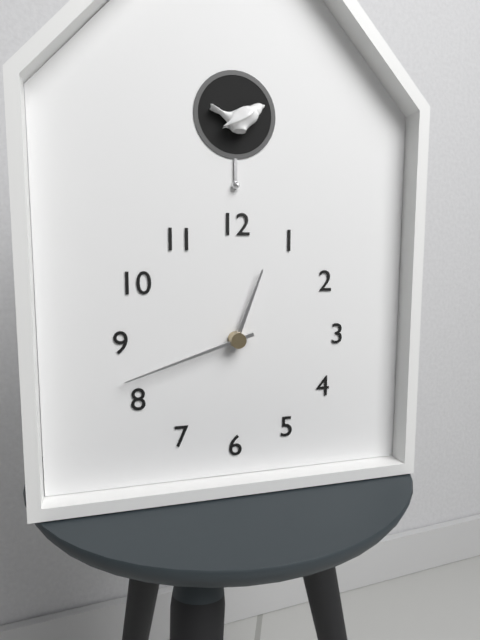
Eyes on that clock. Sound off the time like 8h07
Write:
12h42
